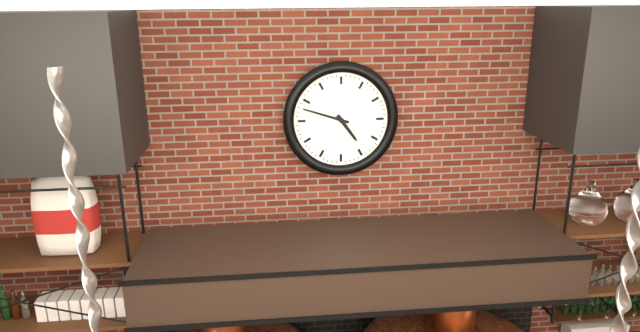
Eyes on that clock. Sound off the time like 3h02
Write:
4h48
